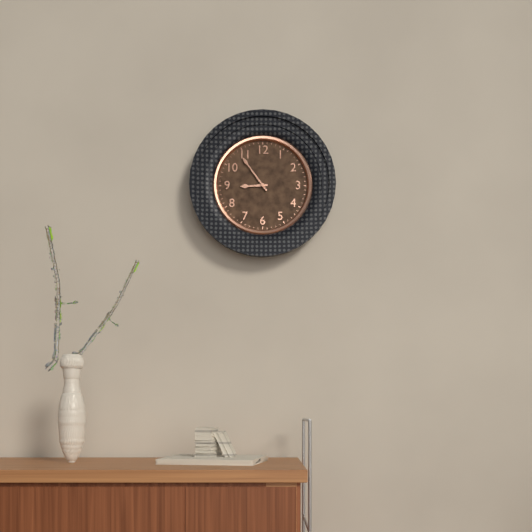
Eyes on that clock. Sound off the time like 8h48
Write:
8h54
